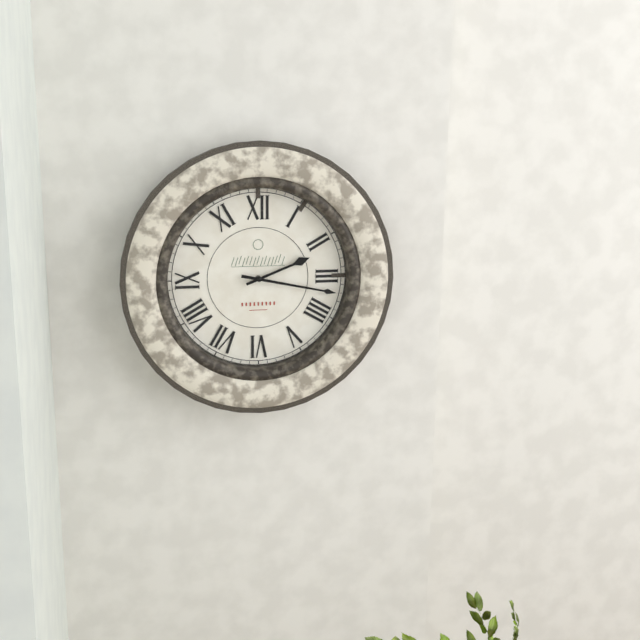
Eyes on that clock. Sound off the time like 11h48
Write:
2h17
